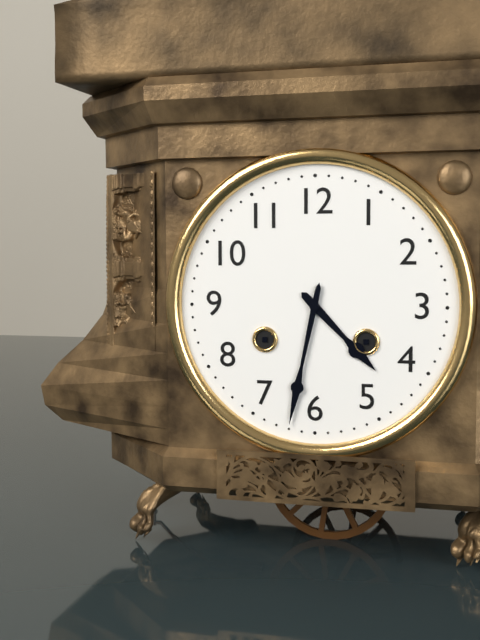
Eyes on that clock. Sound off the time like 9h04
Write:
4h32
